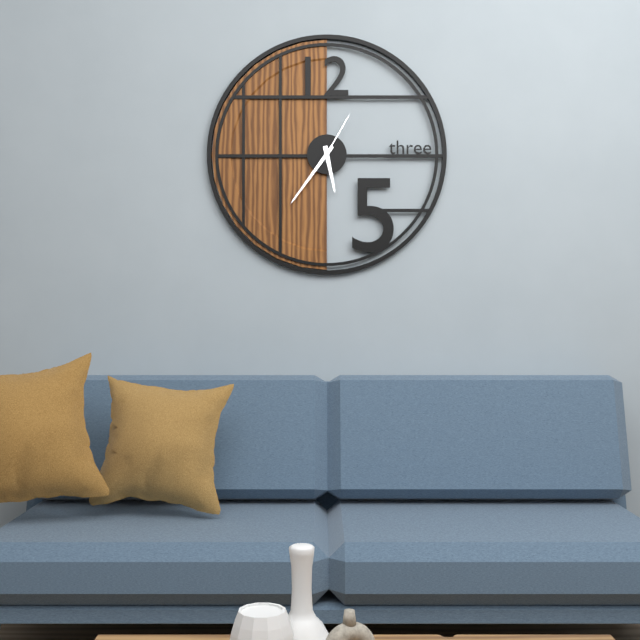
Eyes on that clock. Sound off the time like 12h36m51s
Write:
5h36m05s
